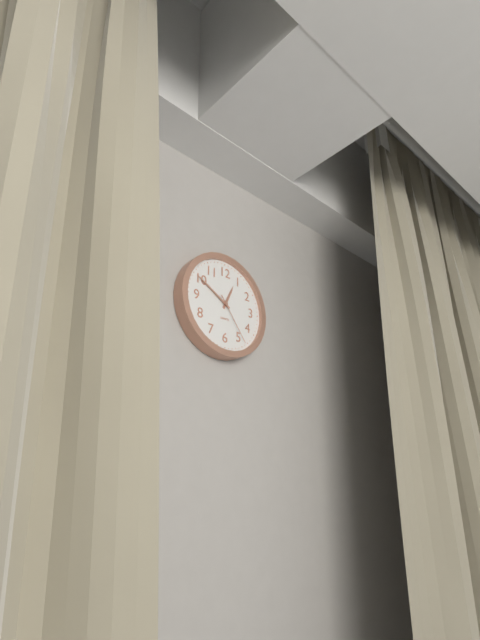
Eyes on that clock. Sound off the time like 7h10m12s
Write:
12h50m24s
